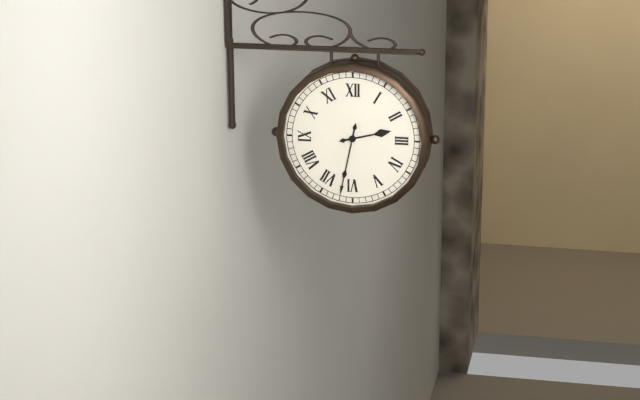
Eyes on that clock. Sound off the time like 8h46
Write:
2h32
